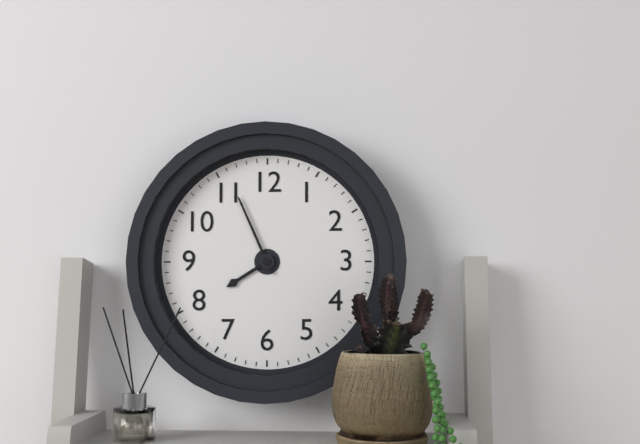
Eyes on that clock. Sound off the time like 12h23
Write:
7h56
